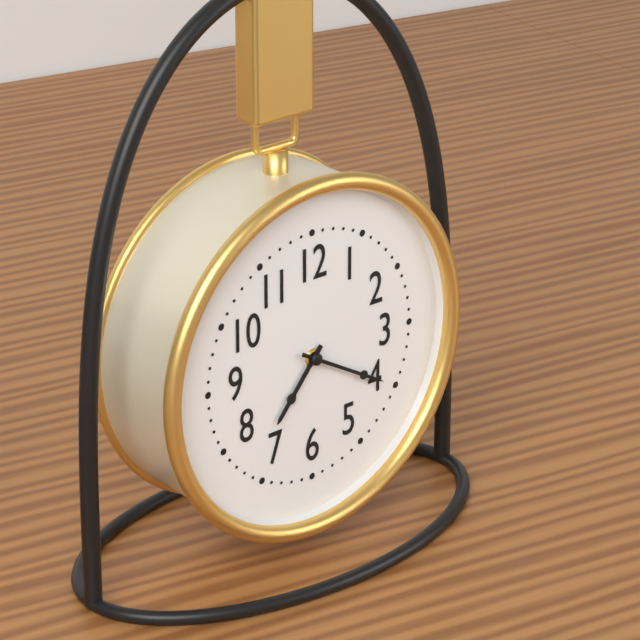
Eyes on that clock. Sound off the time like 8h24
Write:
7h20
